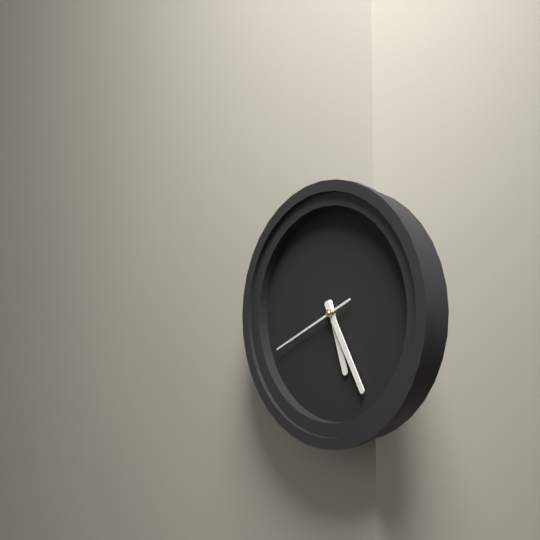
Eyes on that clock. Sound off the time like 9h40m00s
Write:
5h25m41s
